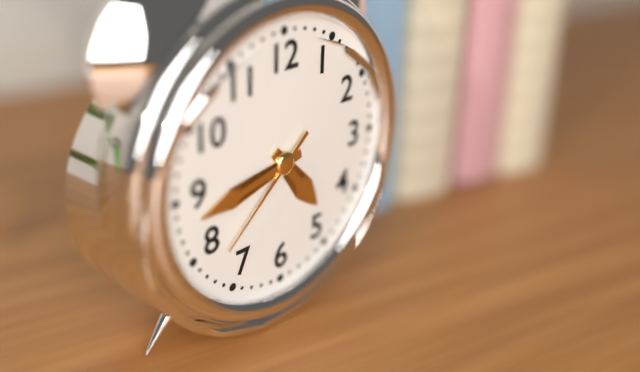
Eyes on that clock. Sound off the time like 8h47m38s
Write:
4h43m38s
